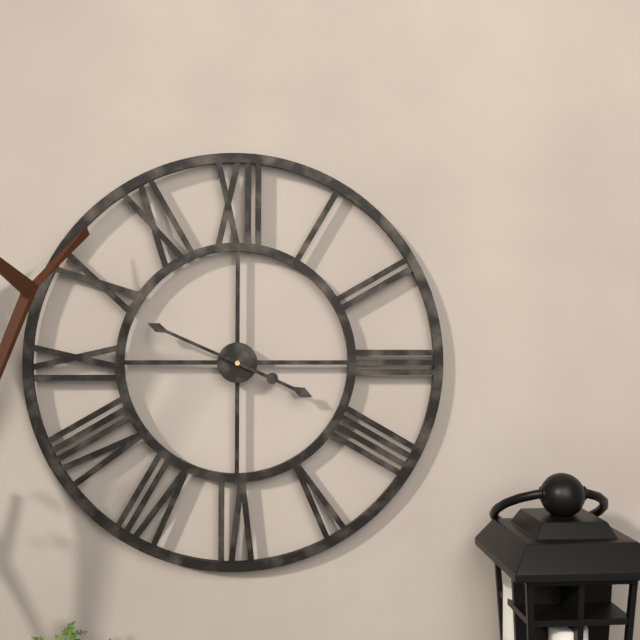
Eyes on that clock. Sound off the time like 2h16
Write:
3h49
